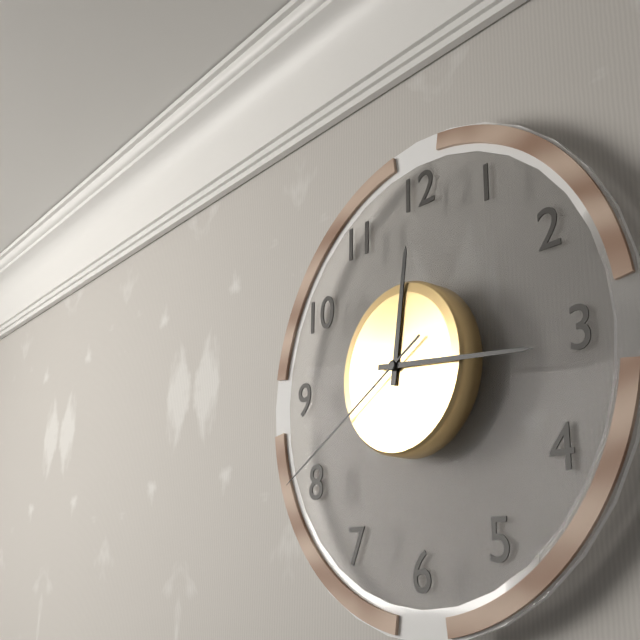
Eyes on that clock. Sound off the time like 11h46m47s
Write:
12h16m40s
